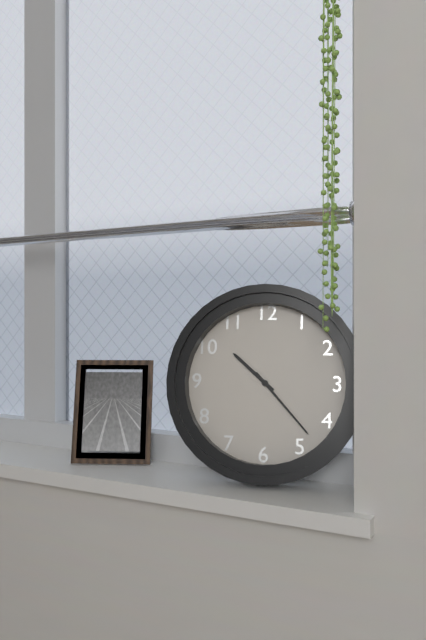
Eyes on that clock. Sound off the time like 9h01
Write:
10h23
